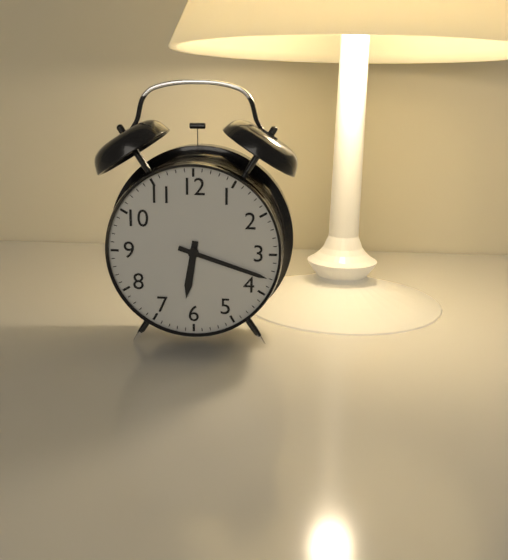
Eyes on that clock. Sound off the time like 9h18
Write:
6h18
